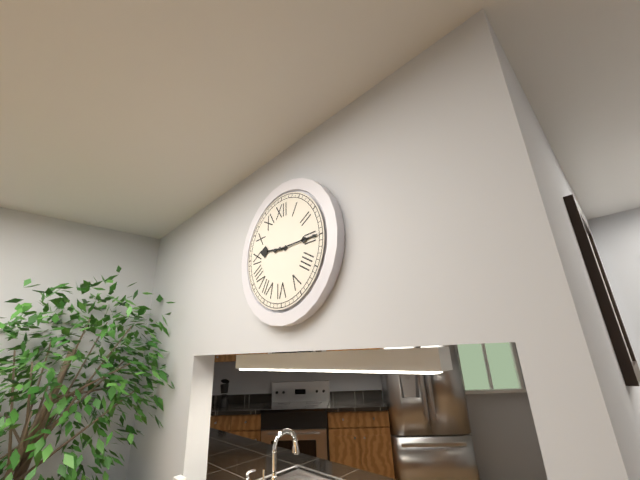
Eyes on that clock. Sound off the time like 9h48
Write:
9h15
